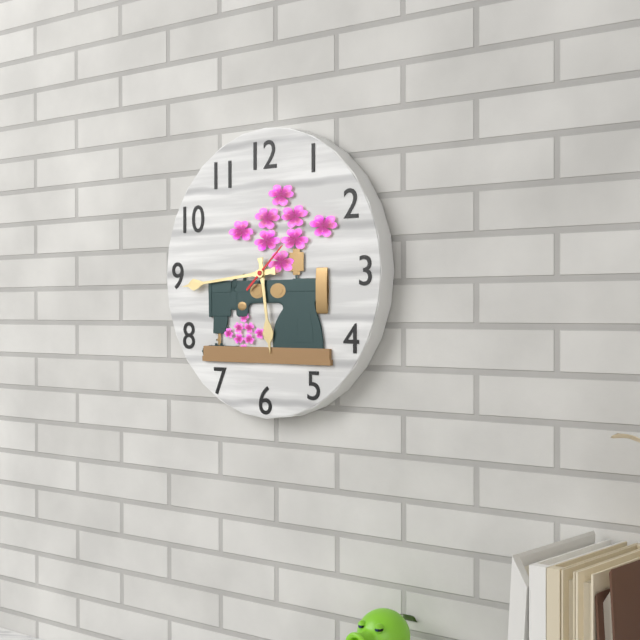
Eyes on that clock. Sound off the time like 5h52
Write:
5h44
